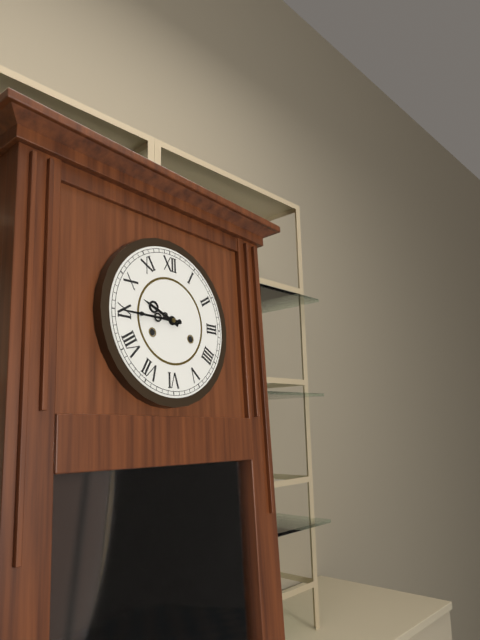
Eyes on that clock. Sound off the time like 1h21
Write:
9h45
